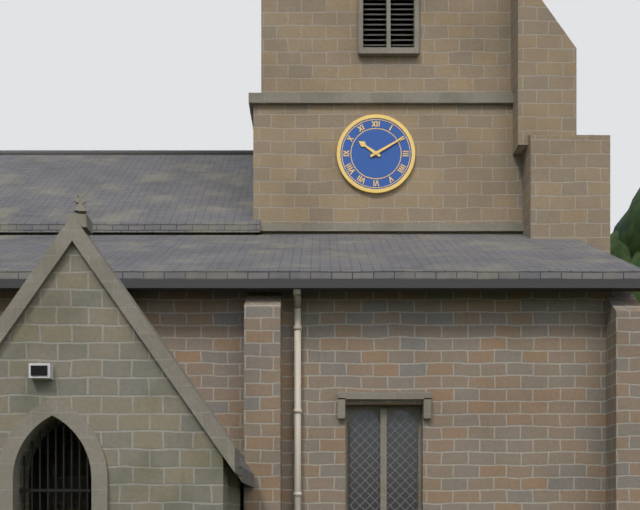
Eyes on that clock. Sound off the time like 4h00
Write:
10h10
